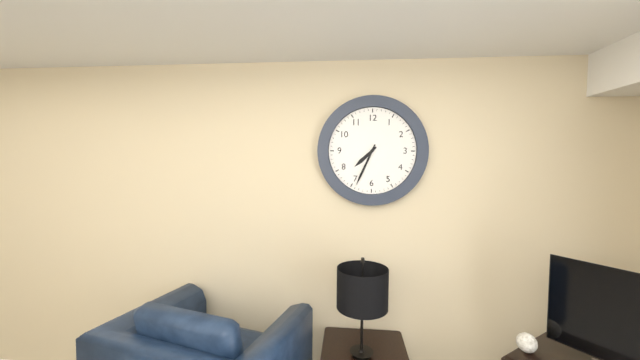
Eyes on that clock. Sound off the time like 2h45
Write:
7h34
